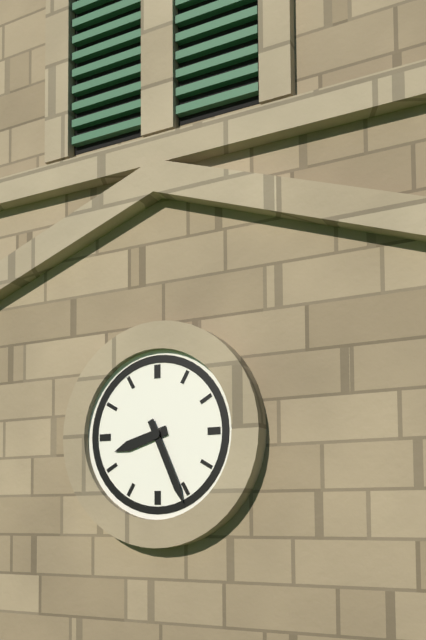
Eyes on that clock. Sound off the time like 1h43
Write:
8h26
